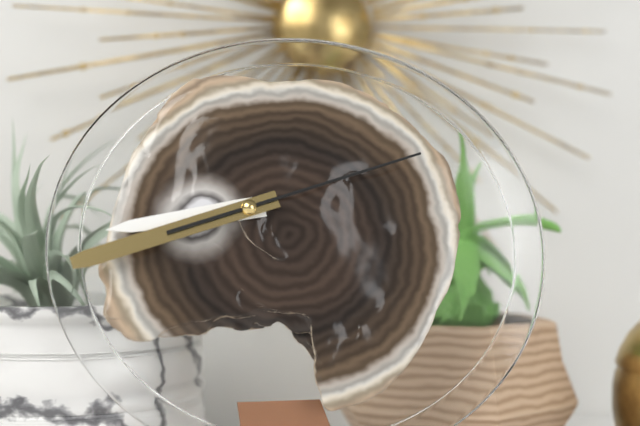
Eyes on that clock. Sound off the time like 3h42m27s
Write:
8h42m12s
